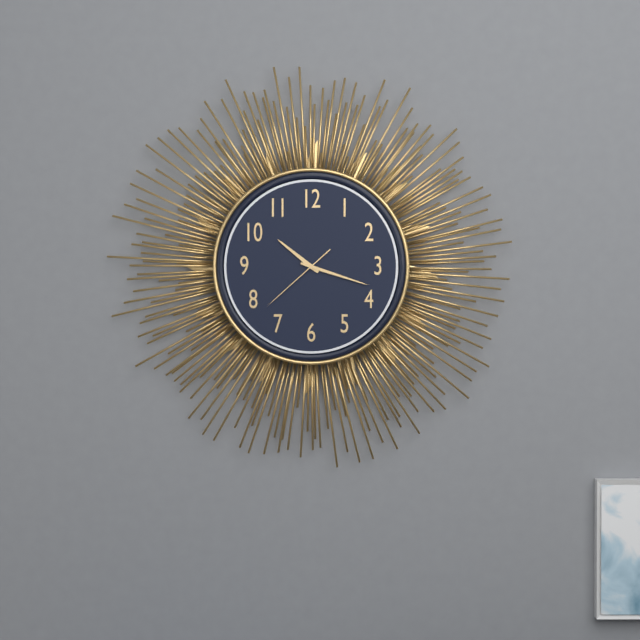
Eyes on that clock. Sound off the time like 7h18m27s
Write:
10h18m38s
